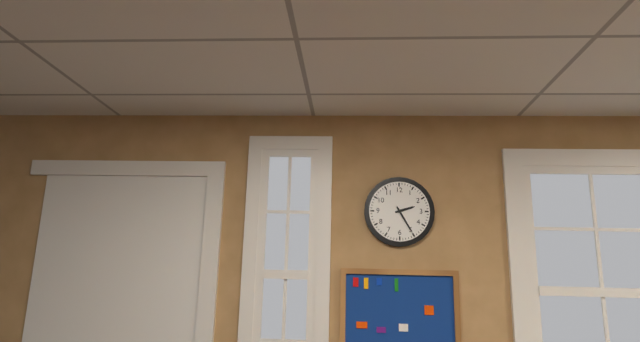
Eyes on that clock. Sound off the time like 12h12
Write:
2h25
